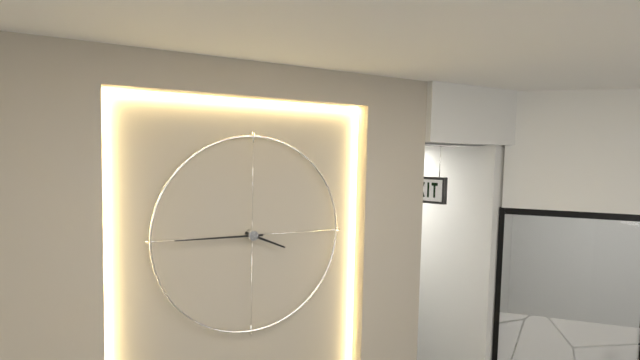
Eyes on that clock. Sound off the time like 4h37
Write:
3h45
